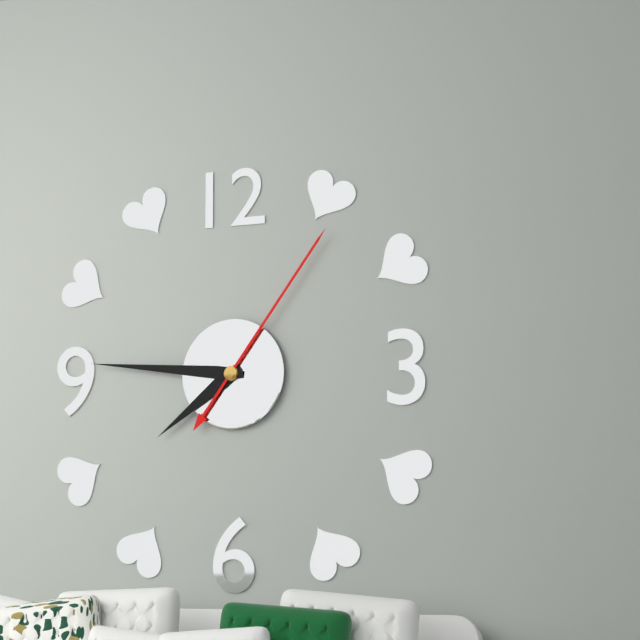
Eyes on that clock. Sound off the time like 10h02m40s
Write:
7h46m06s
